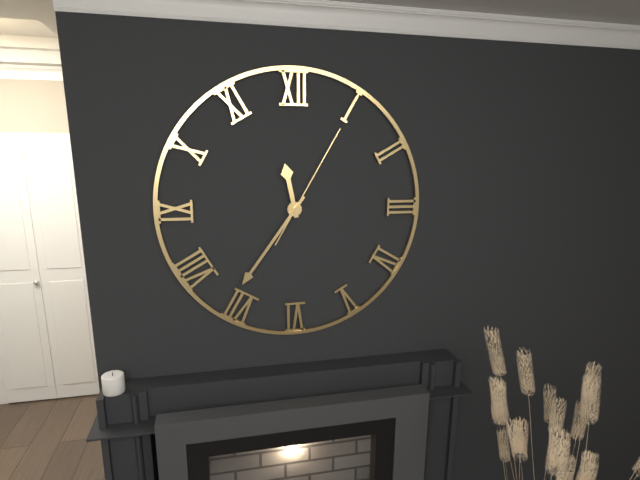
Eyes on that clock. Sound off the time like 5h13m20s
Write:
11h36m05s
